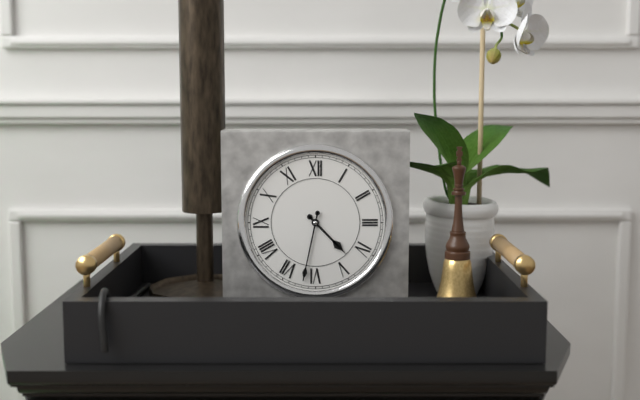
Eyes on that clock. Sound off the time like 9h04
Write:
4h32
